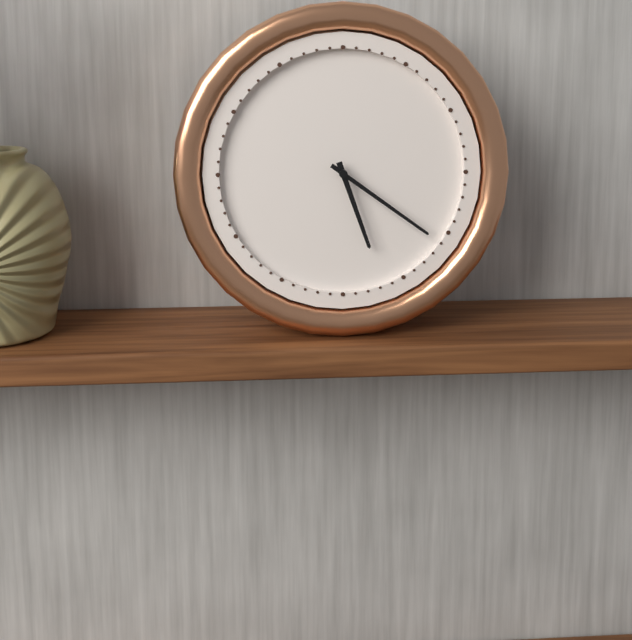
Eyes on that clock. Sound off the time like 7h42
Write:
5h21
